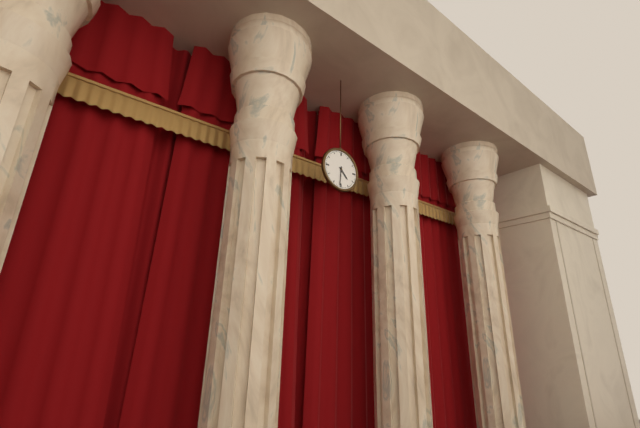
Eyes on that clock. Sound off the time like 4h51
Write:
4h31
